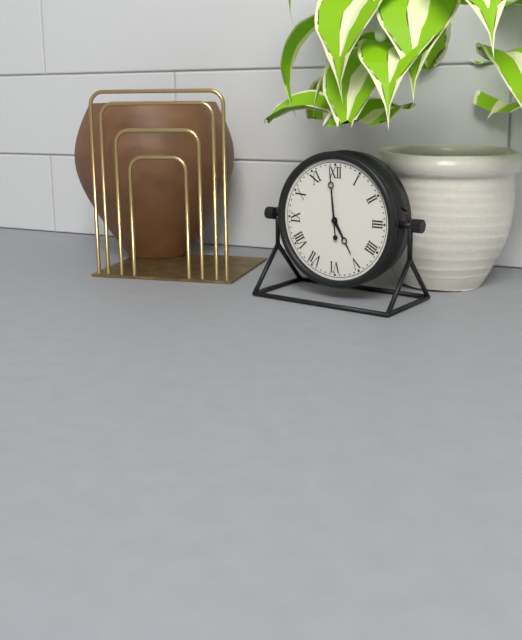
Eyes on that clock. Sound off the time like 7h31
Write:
4h59
